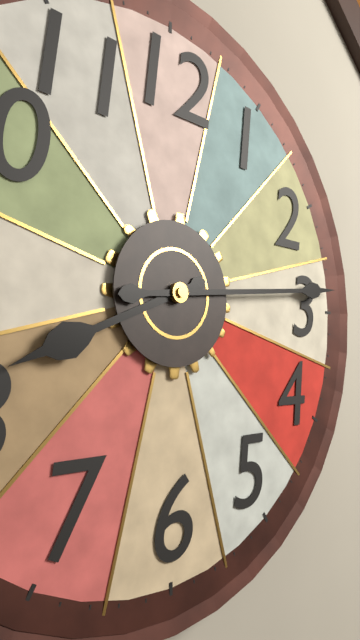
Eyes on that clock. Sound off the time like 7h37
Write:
8h14
